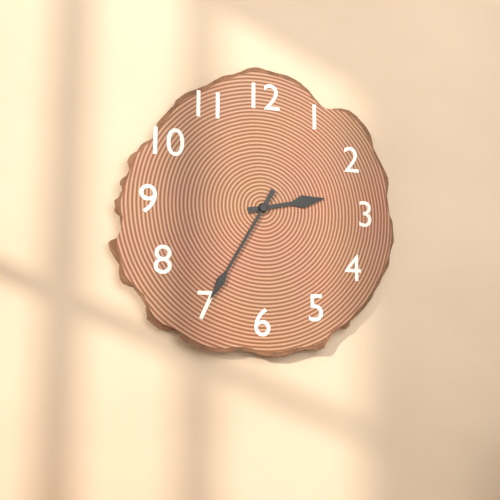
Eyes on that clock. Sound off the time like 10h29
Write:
2h35
